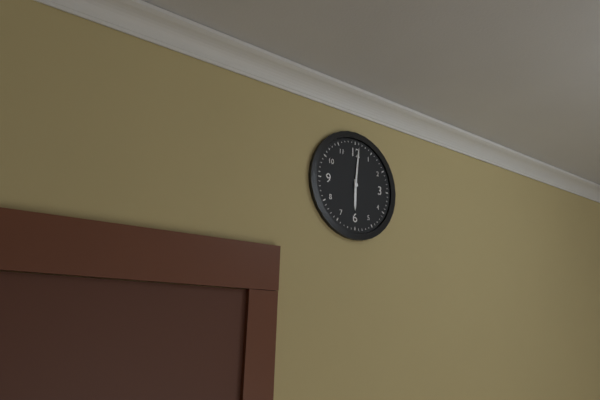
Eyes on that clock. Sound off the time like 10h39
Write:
6h01
